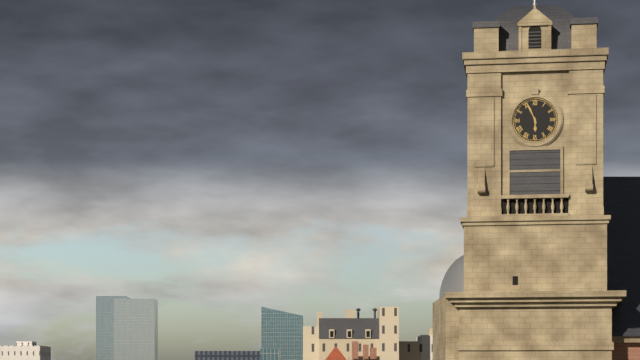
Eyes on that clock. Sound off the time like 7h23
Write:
5h56
